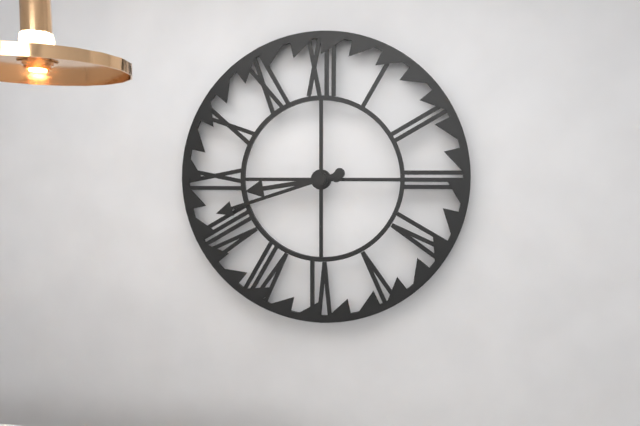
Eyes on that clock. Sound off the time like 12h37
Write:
8h42
